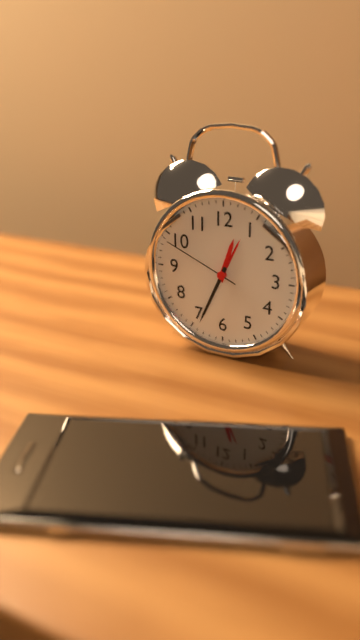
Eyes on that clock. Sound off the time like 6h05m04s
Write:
12h34m49s
